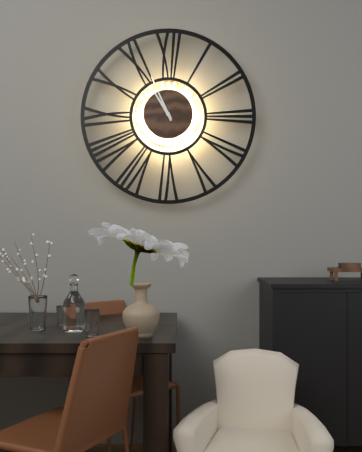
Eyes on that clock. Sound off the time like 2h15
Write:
10h56
